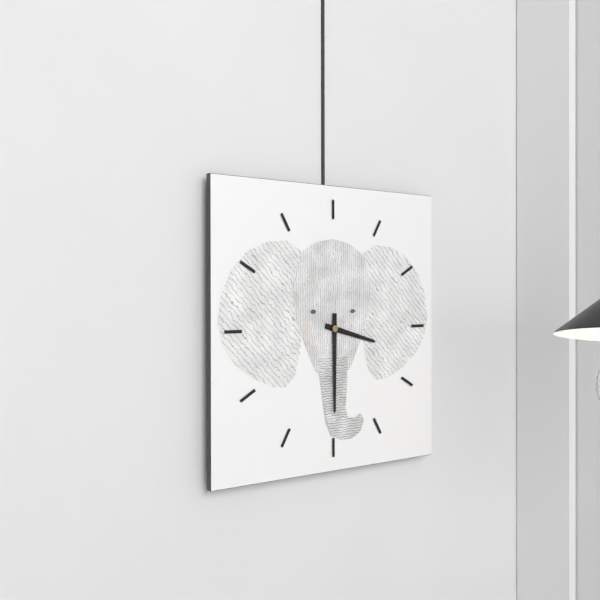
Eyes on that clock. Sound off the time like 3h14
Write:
3h30
